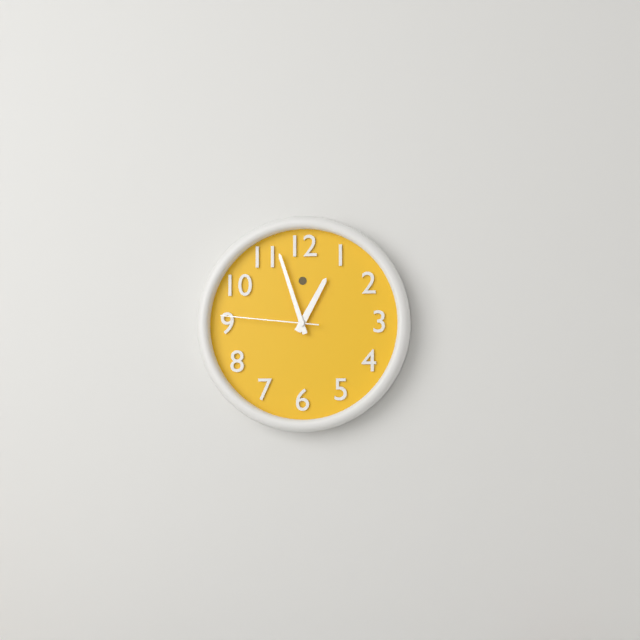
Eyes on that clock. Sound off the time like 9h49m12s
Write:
12h57m46s
